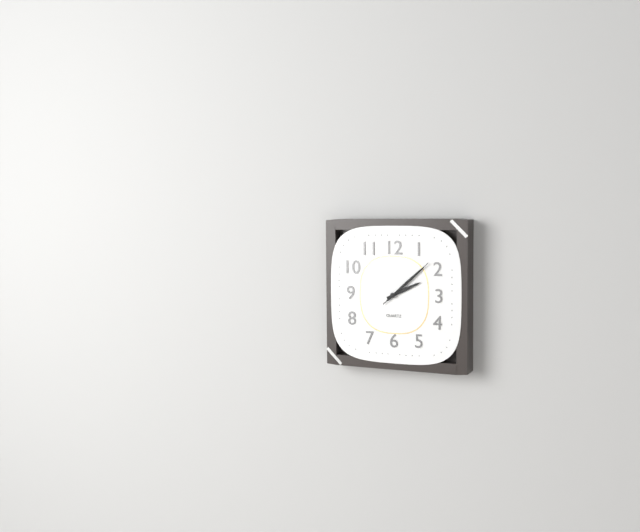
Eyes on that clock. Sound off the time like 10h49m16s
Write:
2h08m08s
